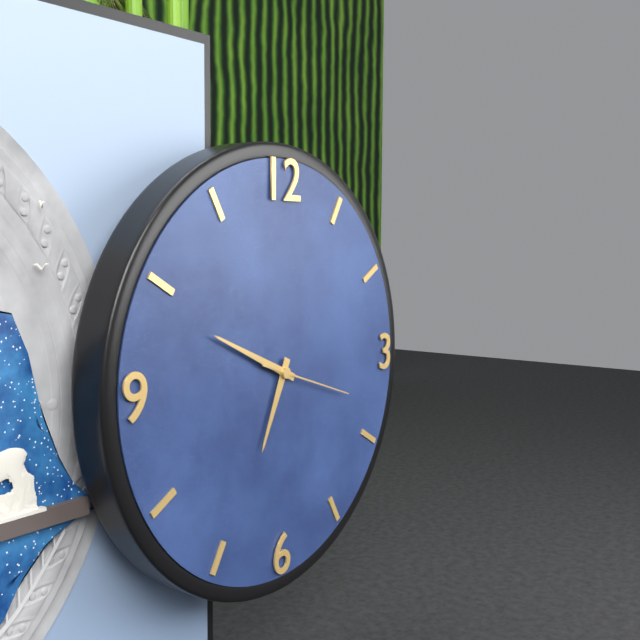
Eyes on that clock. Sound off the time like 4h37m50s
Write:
6h49m18s
